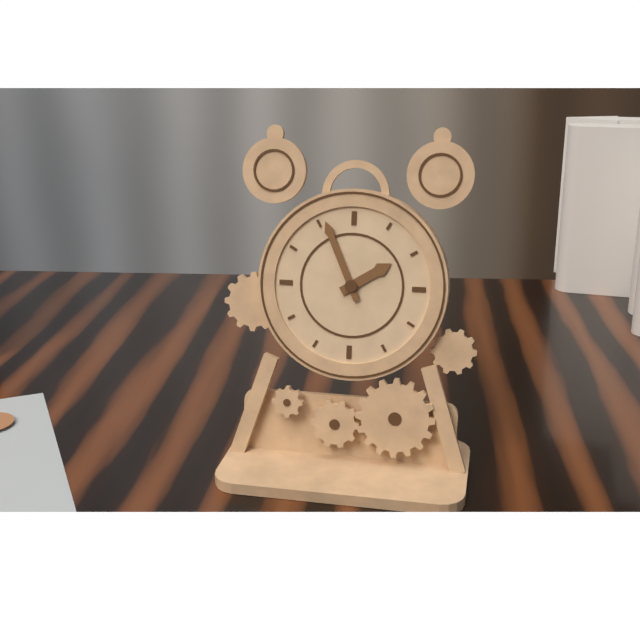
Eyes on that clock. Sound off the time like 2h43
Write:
1h56
